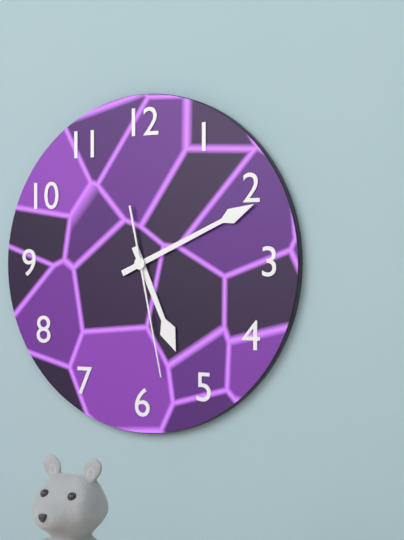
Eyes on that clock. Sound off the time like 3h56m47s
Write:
5h11m28s
